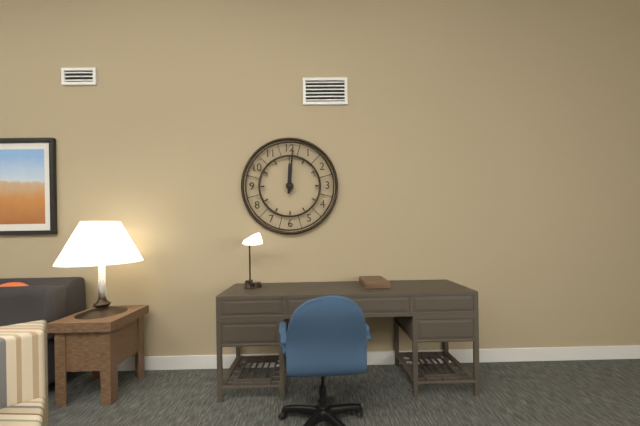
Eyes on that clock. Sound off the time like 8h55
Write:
12h01
